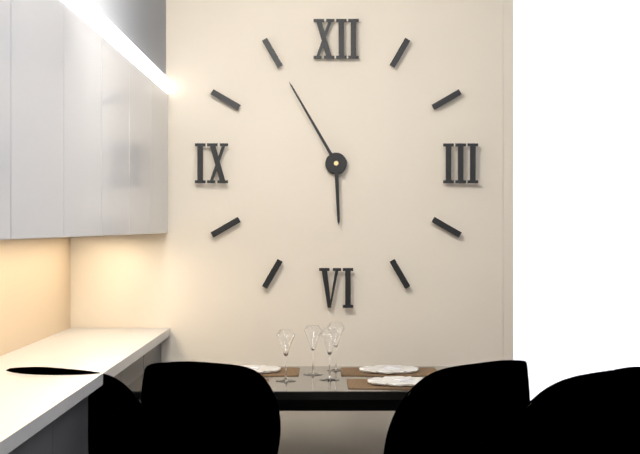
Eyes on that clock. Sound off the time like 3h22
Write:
5h55
